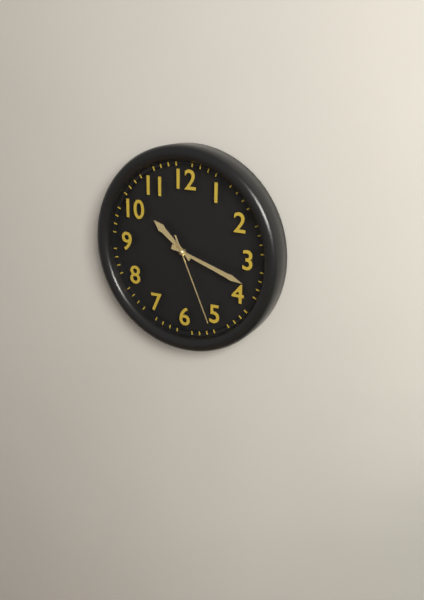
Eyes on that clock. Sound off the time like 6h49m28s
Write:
10h18m26s
